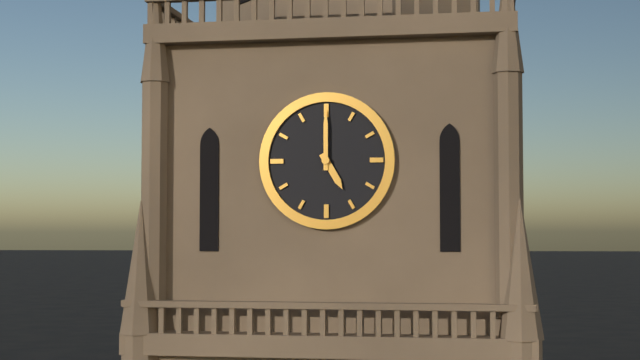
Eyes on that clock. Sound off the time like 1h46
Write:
5h00
